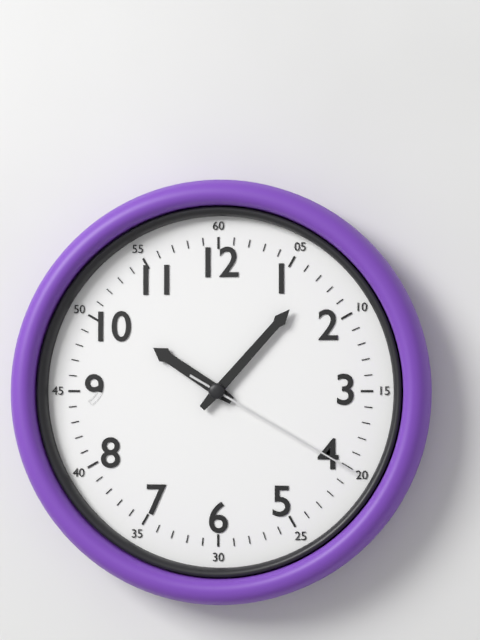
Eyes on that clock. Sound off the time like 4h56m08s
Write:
10h07m20s
